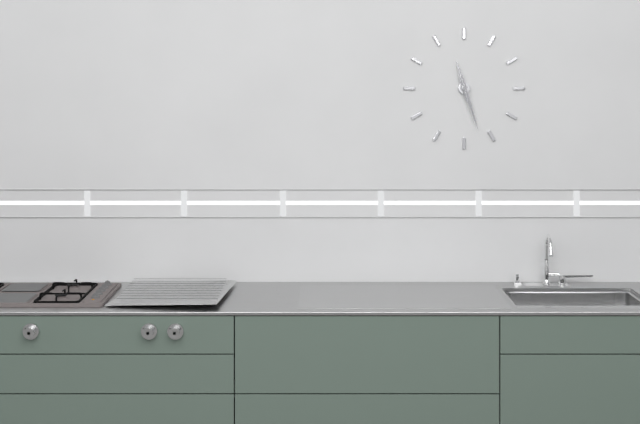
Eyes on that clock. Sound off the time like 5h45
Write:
11h27
